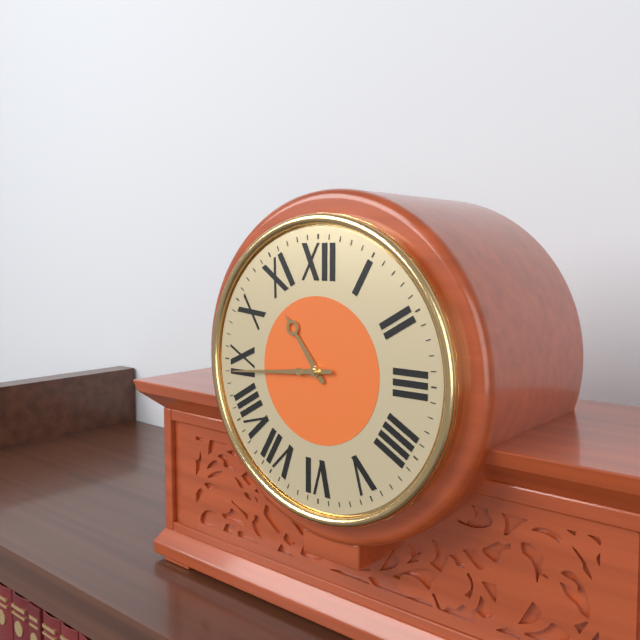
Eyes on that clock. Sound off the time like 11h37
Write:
10h44
